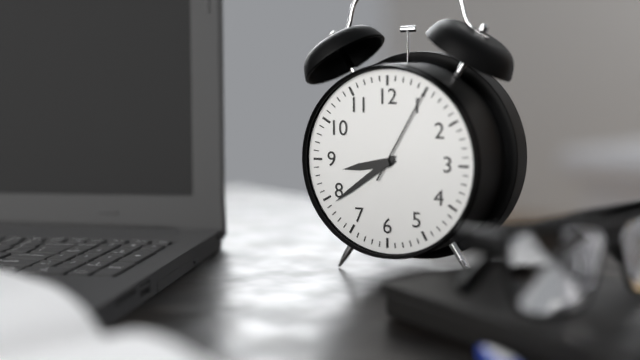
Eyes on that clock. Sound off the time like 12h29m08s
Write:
8h39m05s
